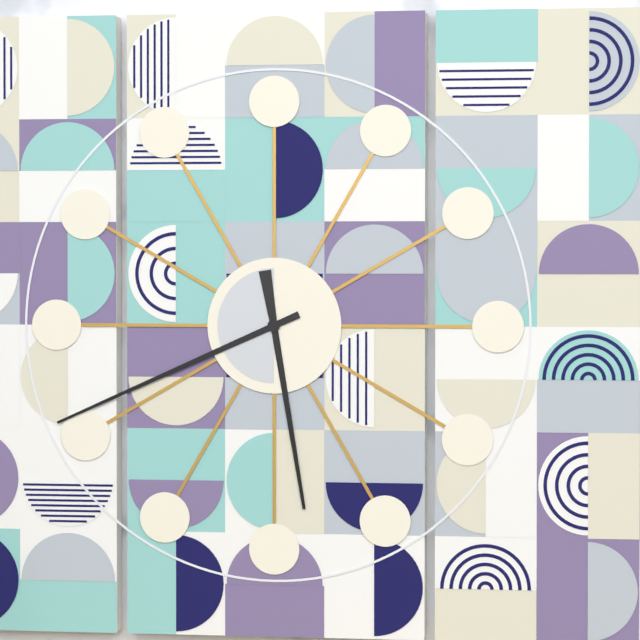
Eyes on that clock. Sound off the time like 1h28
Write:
5h41
